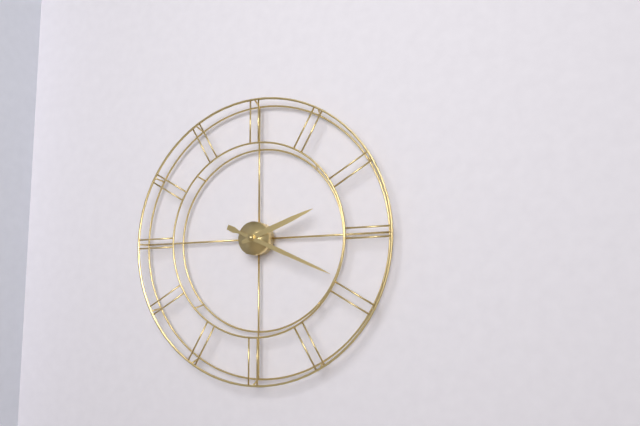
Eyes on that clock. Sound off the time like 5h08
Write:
2h19
